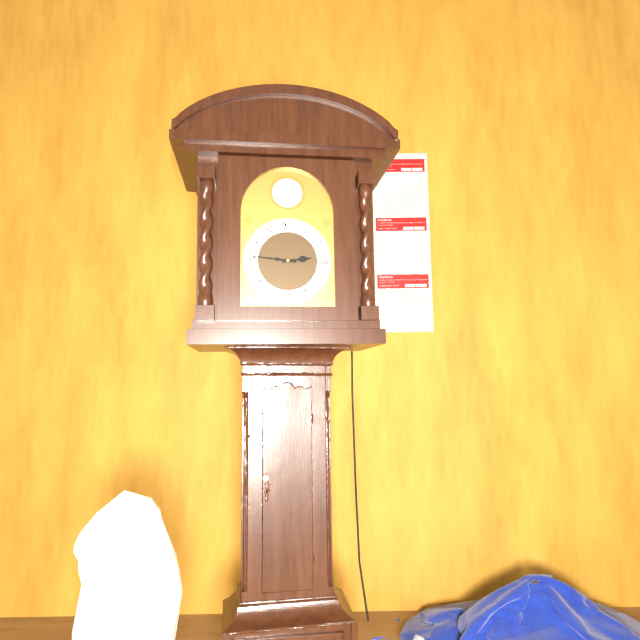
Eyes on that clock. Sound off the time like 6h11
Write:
2h46
